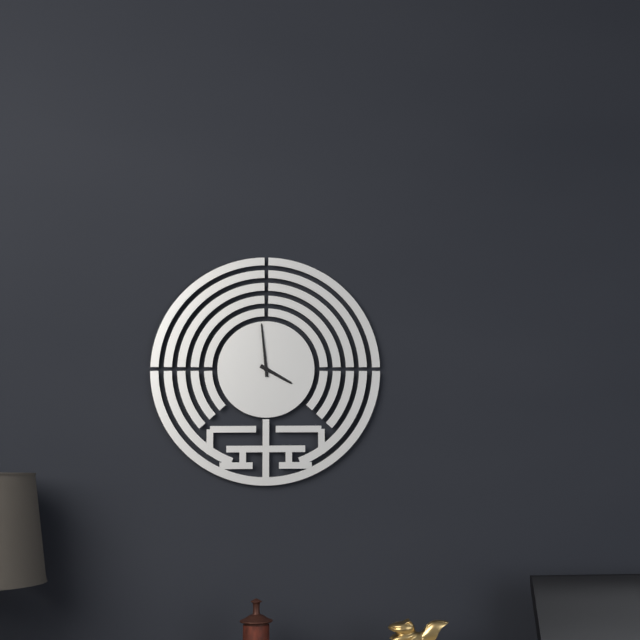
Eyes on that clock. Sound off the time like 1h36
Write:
3h59
